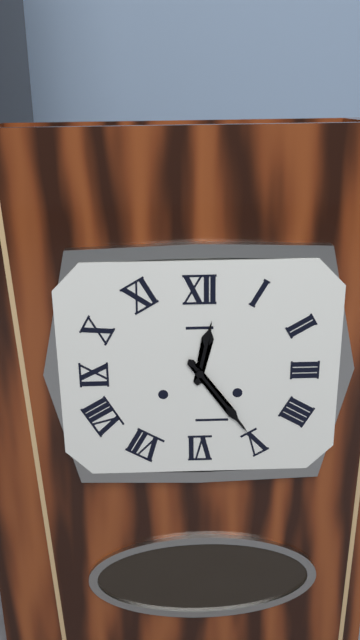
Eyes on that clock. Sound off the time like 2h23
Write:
12h24
